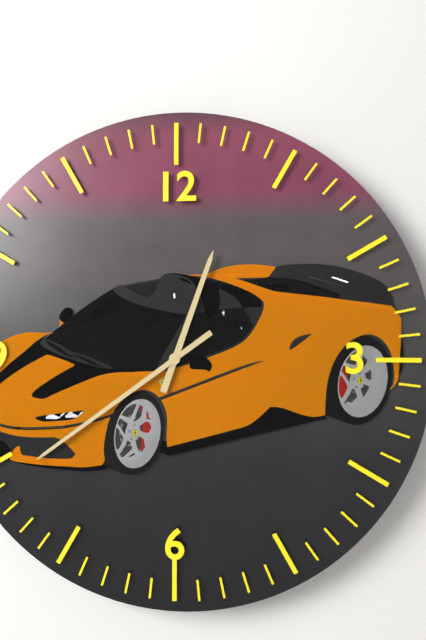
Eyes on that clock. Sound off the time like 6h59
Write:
12h39
